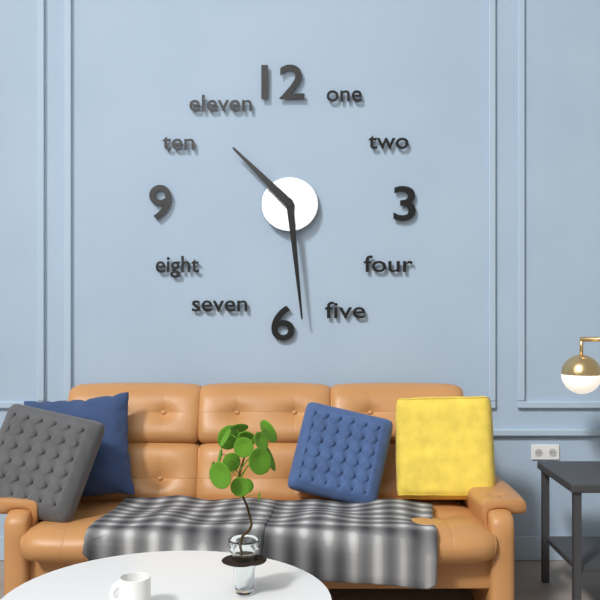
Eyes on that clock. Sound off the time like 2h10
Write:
10h29
